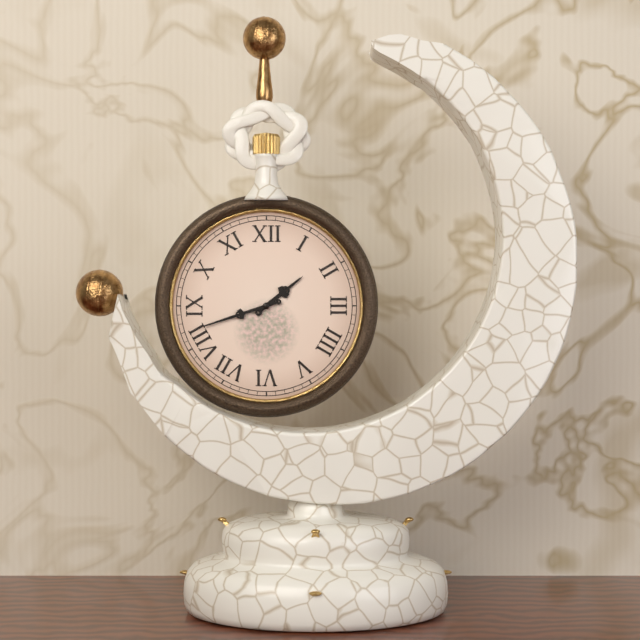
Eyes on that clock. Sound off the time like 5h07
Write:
1h42
